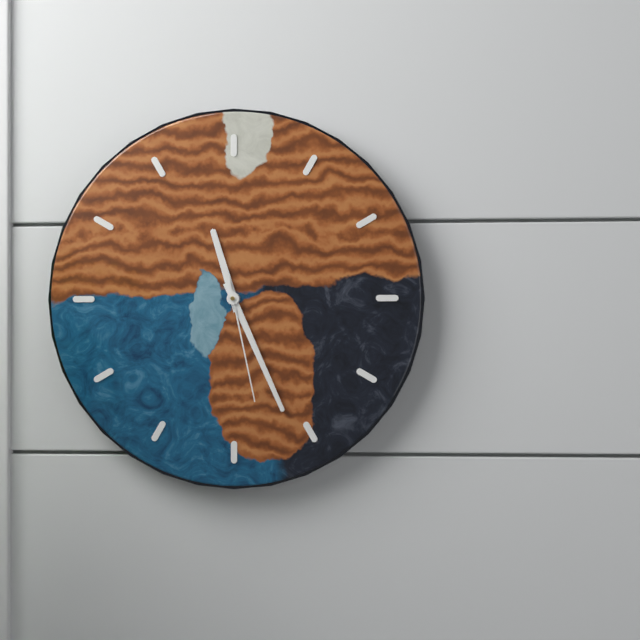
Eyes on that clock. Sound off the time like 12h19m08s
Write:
11h26m28s
